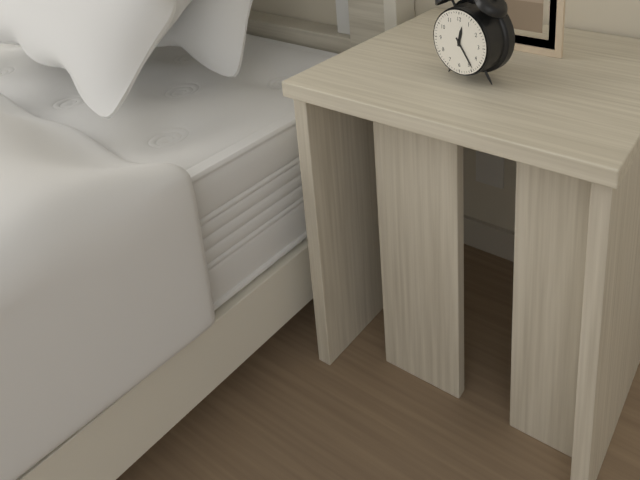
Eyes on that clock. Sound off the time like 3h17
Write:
12h24
